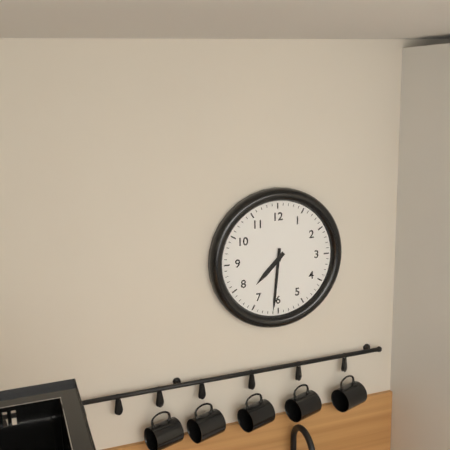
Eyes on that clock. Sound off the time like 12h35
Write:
7h31
